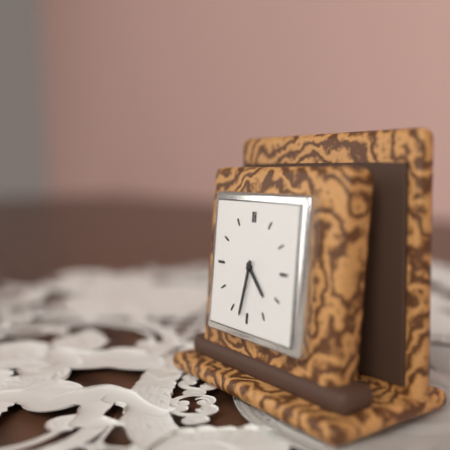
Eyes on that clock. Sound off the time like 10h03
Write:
4h32
